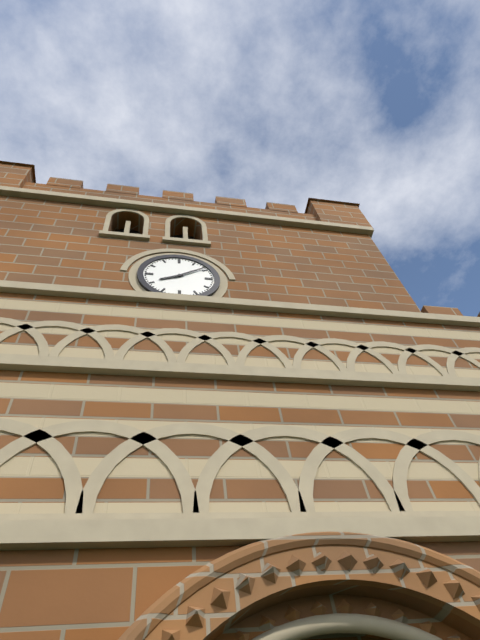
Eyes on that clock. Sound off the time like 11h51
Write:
8h09
